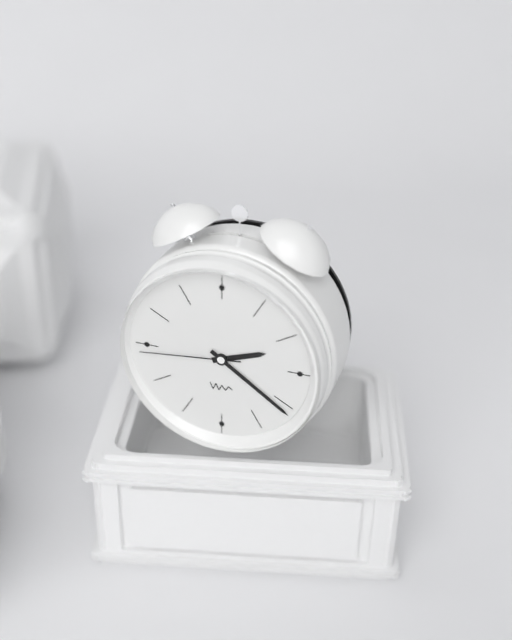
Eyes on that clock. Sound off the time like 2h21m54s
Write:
2h21m44s
